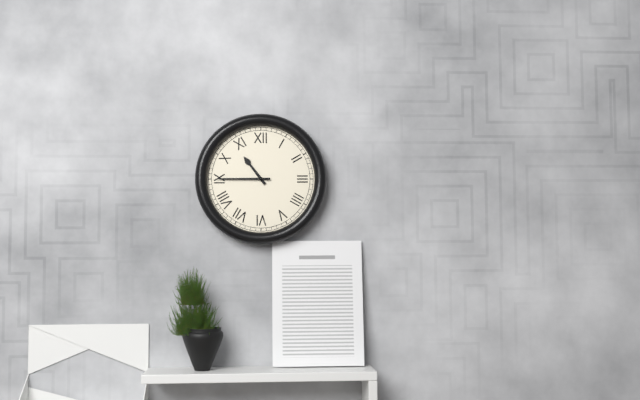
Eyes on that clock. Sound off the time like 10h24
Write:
10h45
